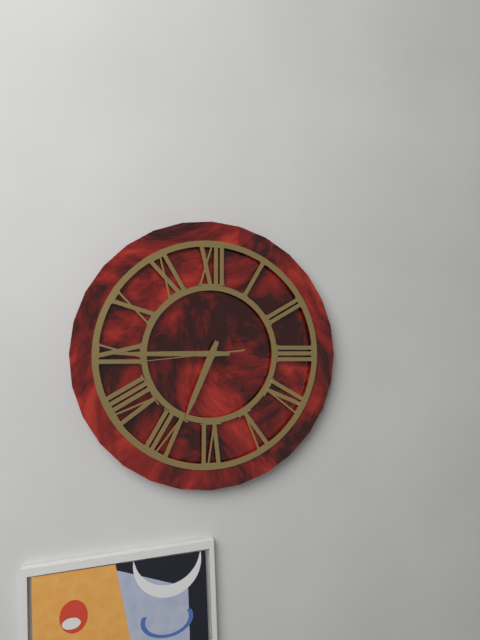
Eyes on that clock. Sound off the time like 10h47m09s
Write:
6h45m44s
